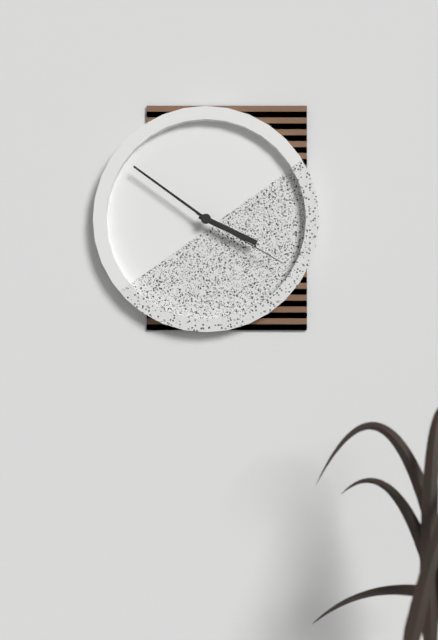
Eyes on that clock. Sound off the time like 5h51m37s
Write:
3h51m20s
